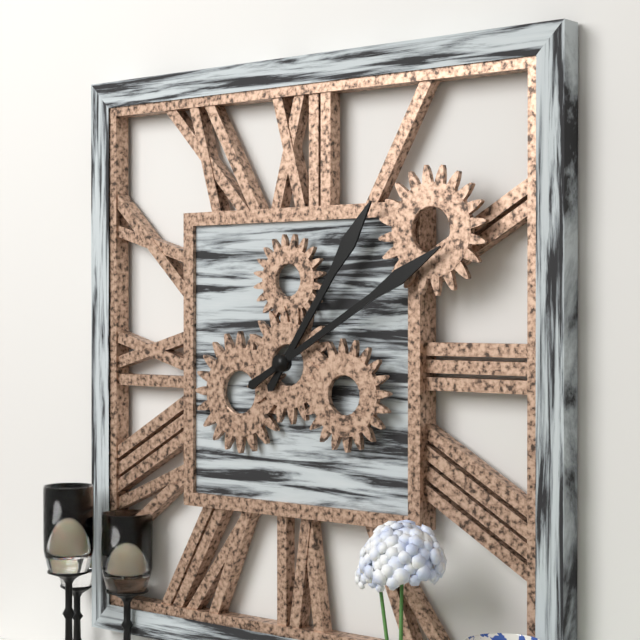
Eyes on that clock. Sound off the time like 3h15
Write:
1h10
